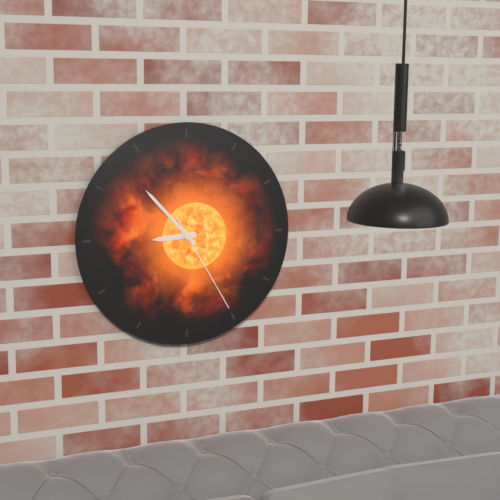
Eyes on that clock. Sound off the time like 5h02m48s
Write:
8h53m25s
